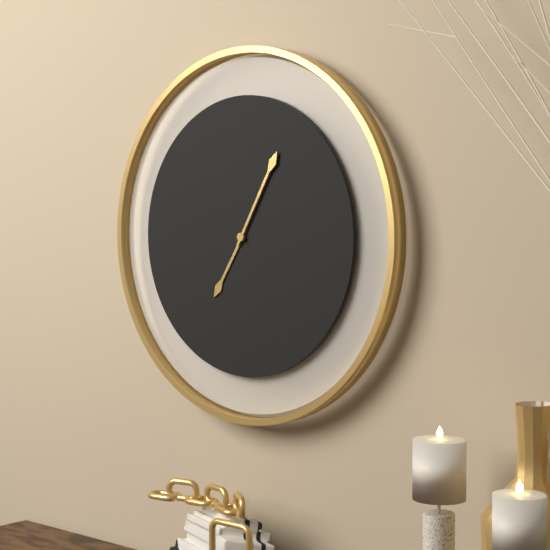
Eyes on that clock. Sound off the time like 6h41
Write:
7h05
